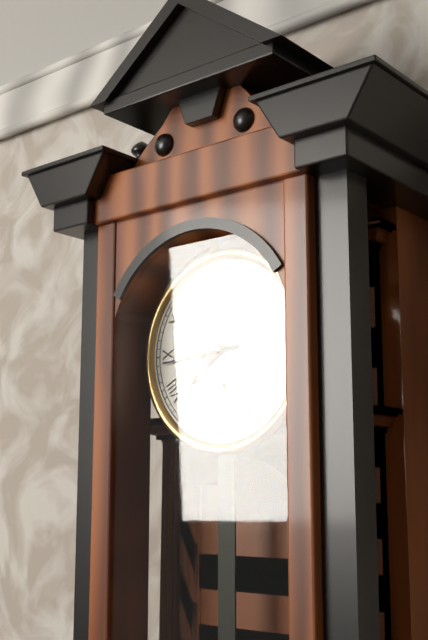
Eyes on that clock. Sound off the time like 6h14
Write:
7h44
